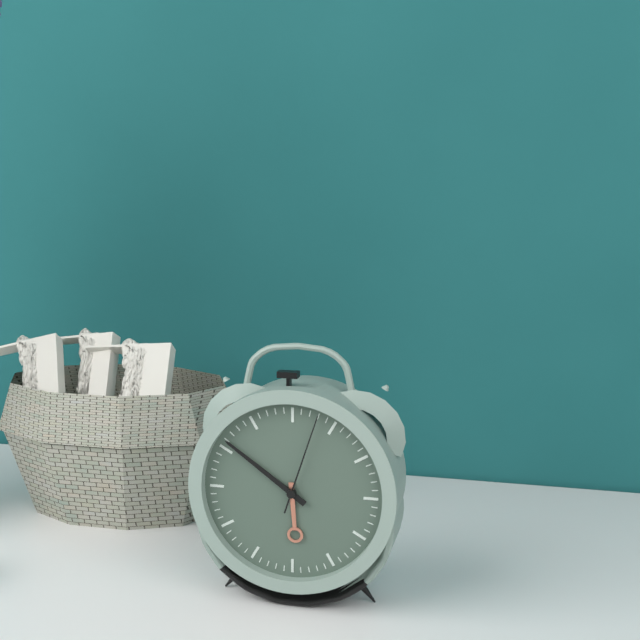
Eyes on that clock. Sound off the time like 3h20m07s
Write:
5h51m03s
